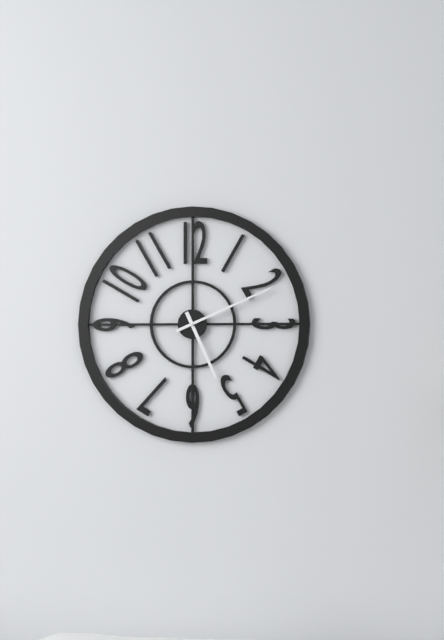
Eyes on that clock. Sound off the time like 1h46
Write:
5h11
